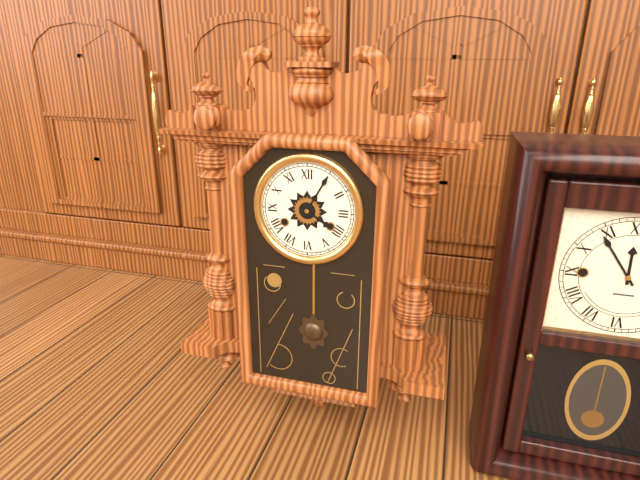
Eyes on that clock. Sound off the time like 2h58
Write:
4h05
